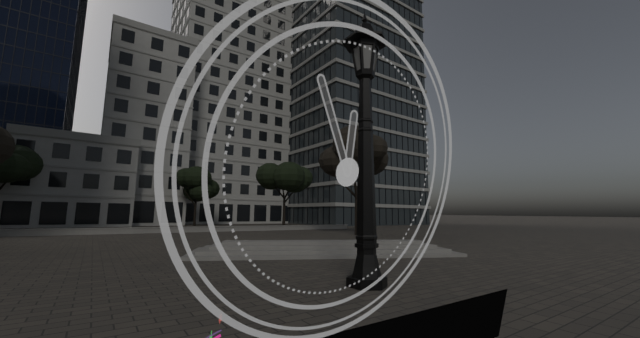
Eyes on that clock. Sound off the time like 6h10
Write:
11h55
